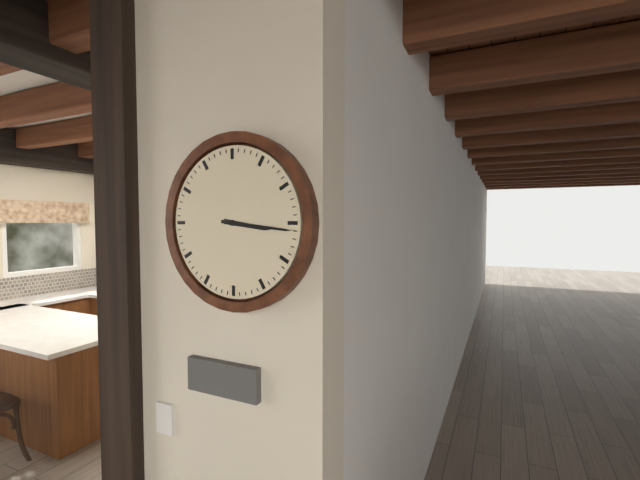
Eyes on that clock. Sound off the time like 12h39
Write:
3h16
